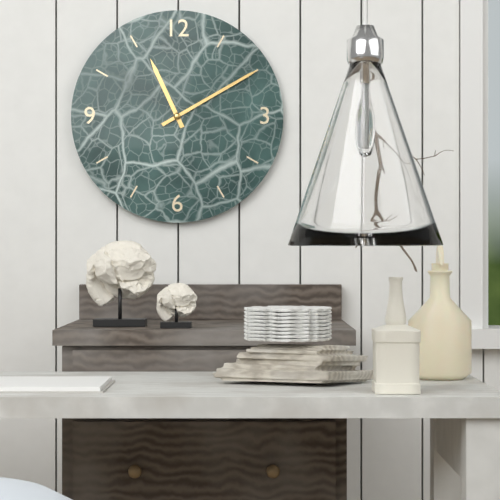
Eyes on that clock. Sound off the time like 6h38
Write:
11h10
